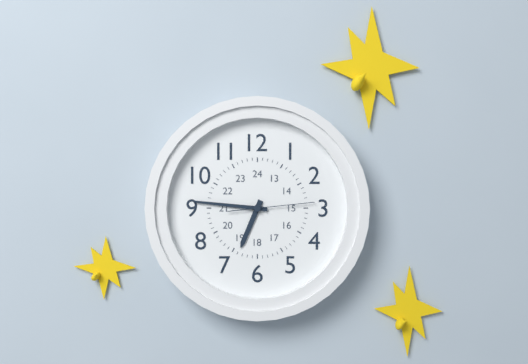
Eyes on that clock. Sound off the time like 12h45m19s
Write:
6h46m14s
